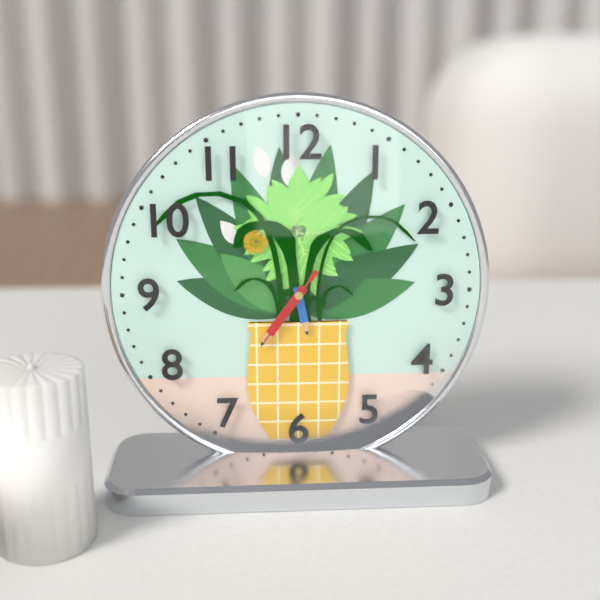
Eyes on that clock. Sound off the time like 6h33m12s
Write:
5h36m36s
